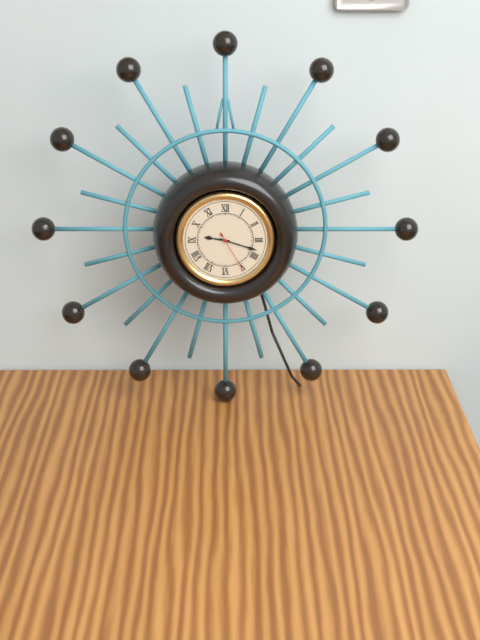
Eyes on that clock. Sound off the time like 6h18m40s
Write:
9h18m25s
